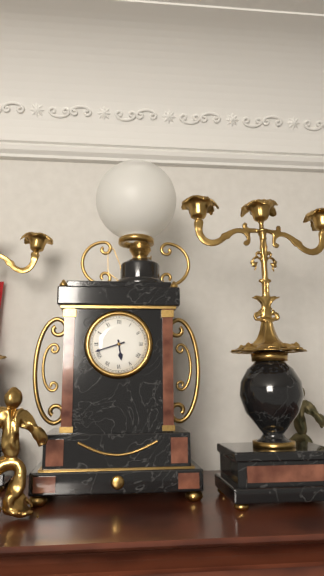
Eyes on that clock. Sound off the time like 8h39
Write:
5h42
